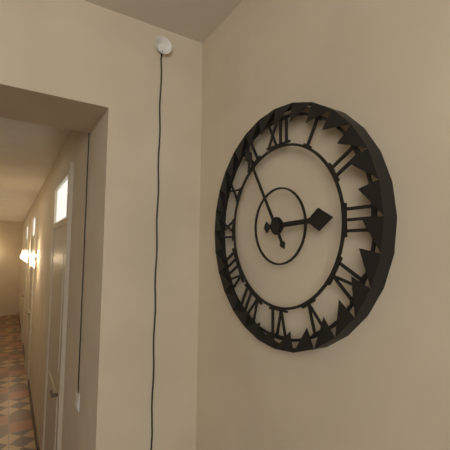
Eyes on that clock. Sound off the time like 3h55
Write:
2h55
